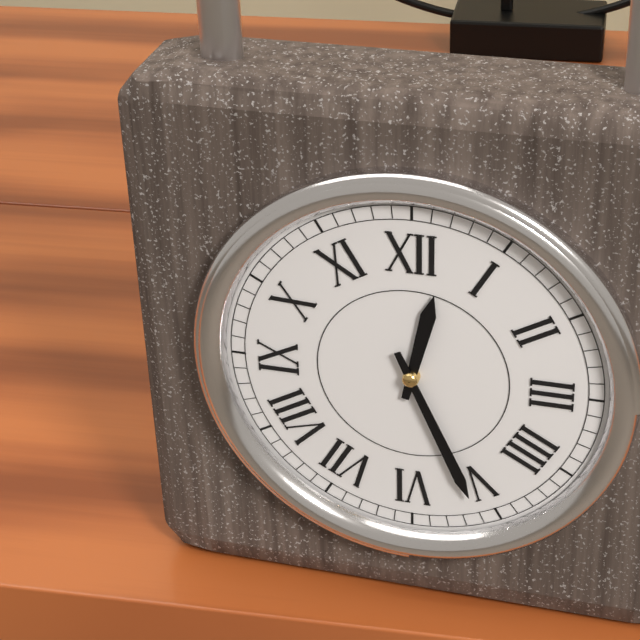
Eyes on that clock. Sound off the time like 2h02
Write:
12h26
